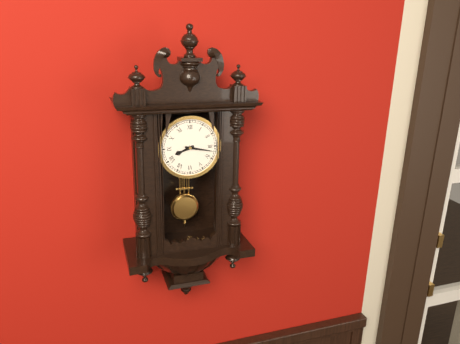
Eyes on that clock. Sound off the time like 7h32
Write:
8h17
